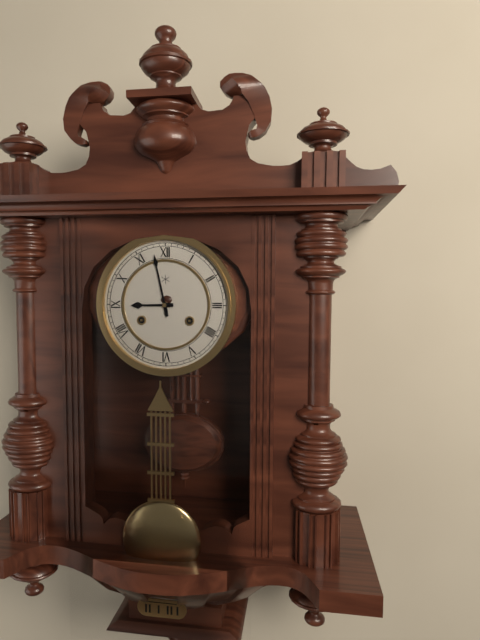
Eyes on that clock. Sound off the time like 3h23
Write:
8h58
